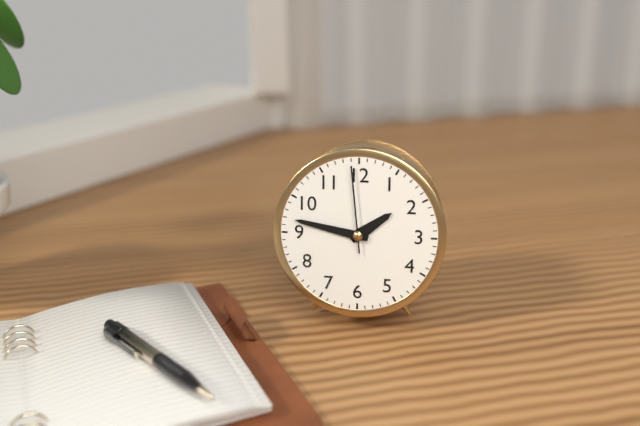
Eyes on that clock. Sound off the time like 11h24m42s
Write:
1h47m59s
